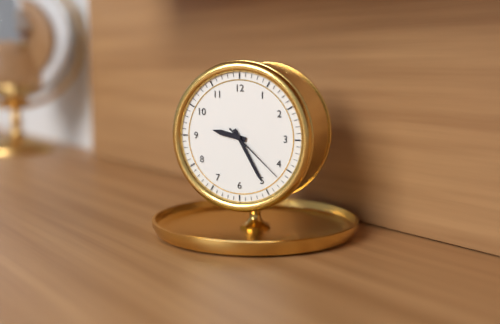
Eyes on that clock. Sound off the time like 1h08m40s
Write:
9h25m22s
